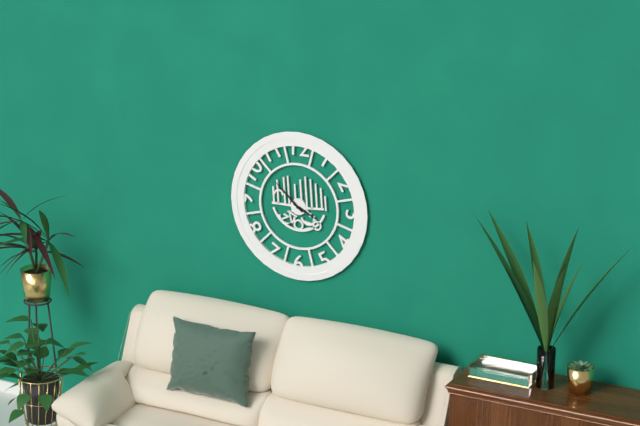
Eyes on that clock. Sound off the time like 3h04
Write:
3h52
